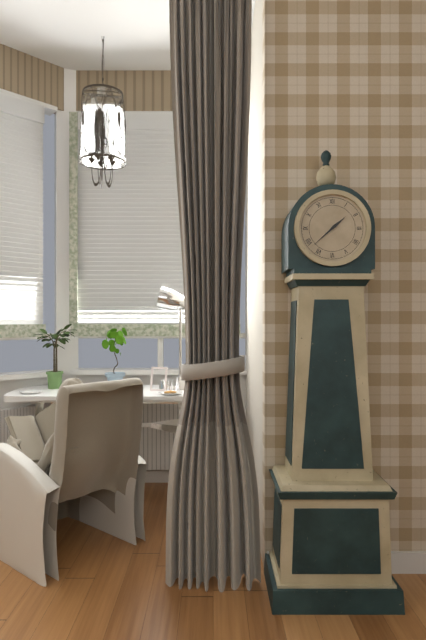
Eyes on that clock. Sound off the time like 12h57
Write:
1h38
